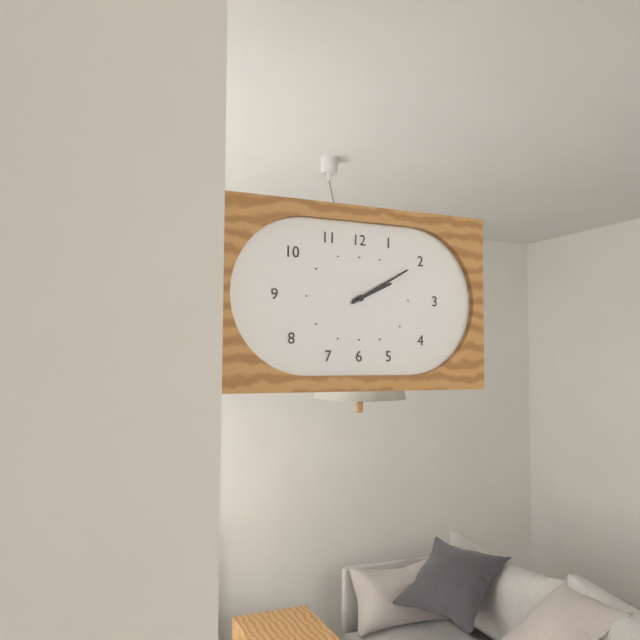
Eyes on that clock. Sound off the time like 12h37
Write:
2h10
